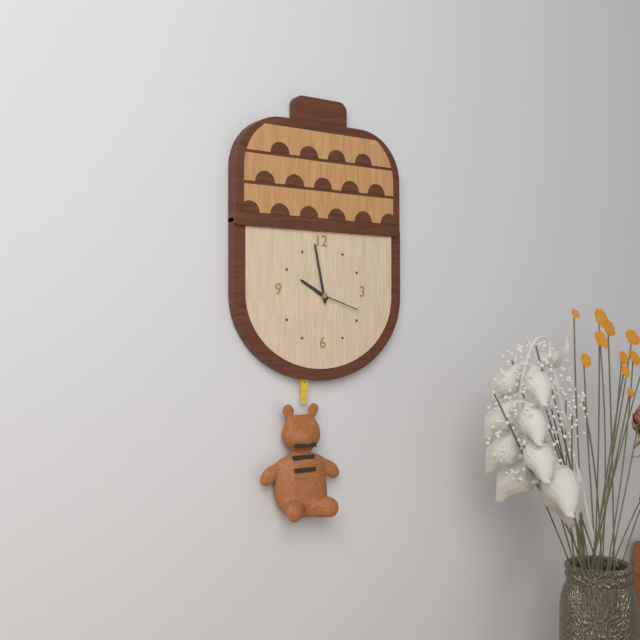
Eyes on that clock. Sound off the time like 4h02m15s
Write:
9h58m18s
